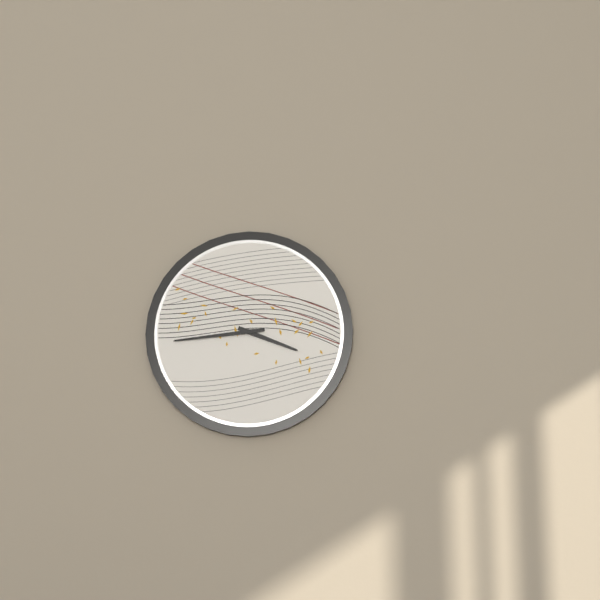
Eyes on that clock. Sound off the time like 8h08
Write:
3h44
